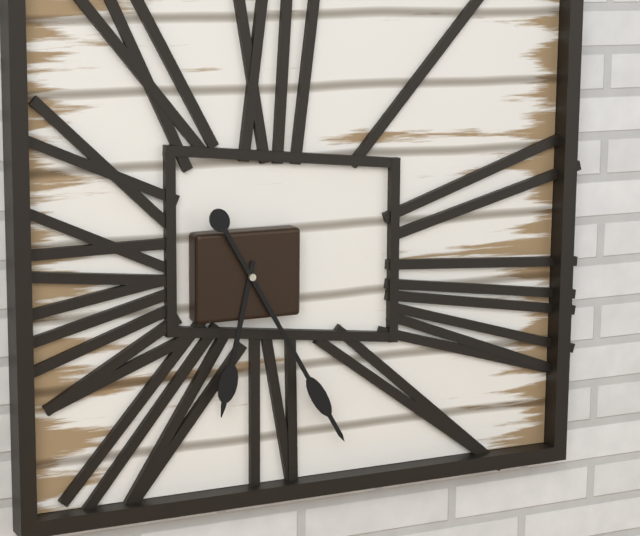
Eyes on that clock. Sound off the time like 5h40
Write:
6h25
